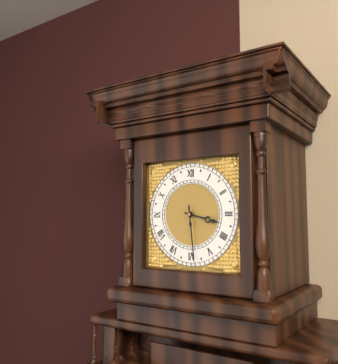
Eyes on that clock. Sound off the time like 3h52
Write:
3h29
